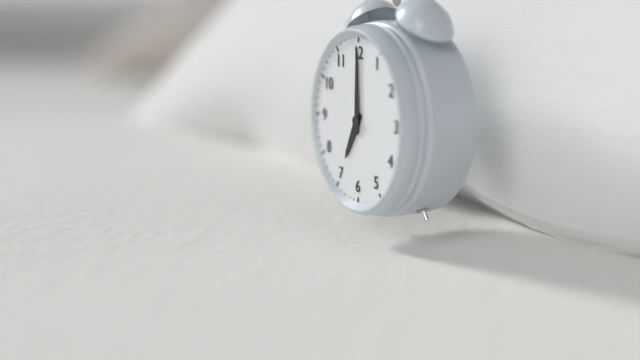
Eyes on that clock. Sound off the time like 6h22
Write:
7h00
